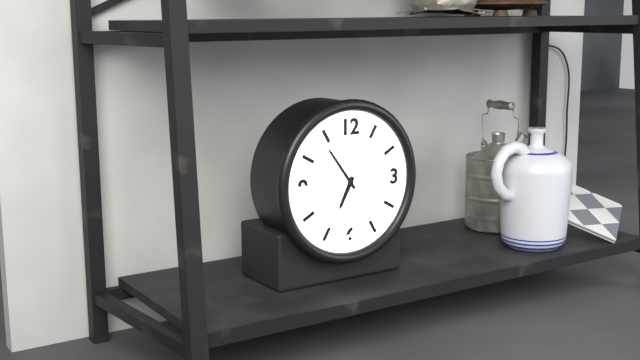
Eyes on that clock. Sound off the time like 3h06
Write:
6h54
